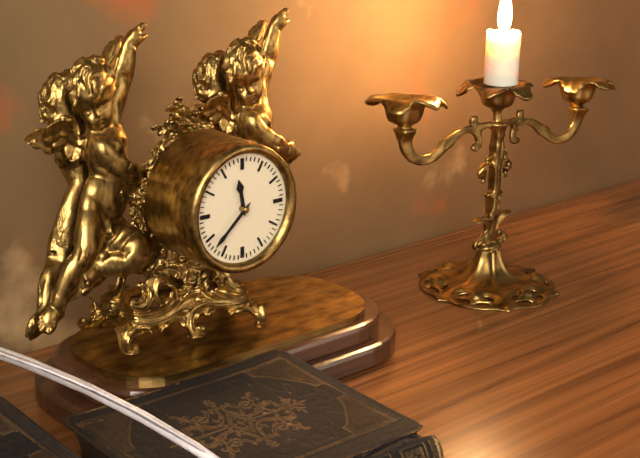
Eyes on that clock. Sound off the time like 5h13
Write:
11h38
